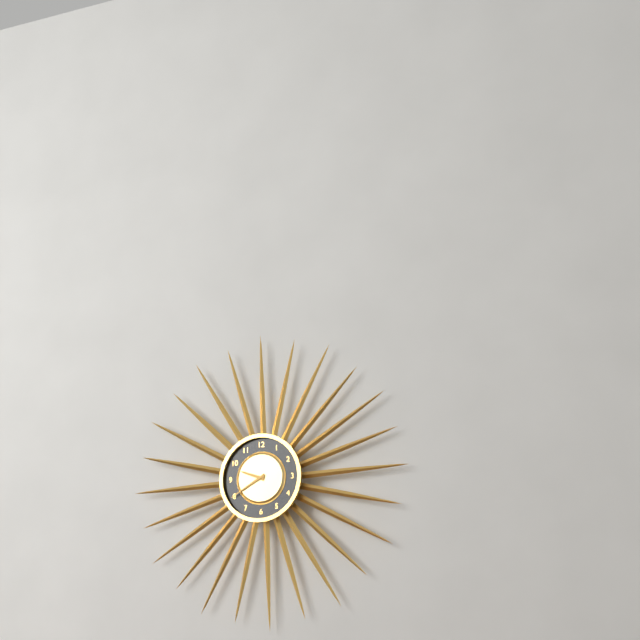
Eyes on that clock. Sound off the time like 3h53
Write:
9h40
